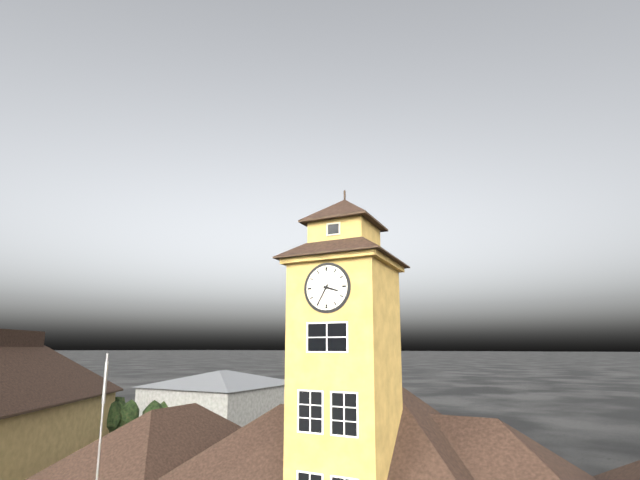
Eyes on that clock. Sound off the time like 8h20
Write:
3h35
